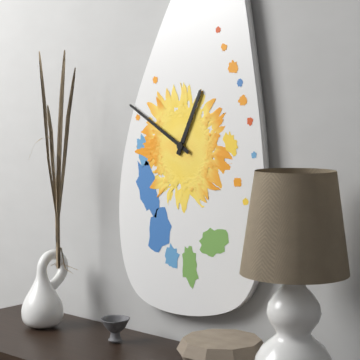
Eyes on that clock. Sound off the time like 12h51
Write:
12h50
